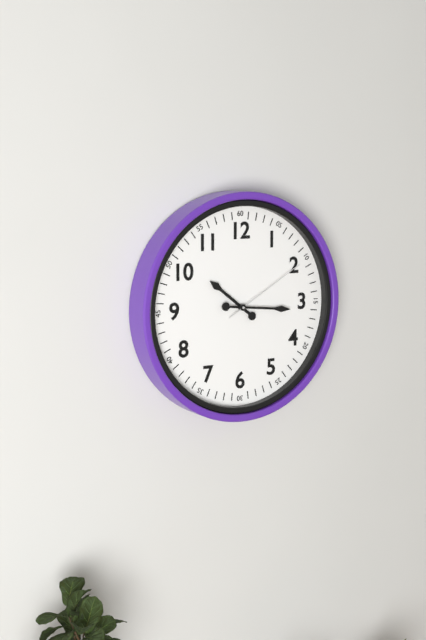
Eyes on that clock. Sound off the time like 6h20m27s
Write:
10h16m10s
